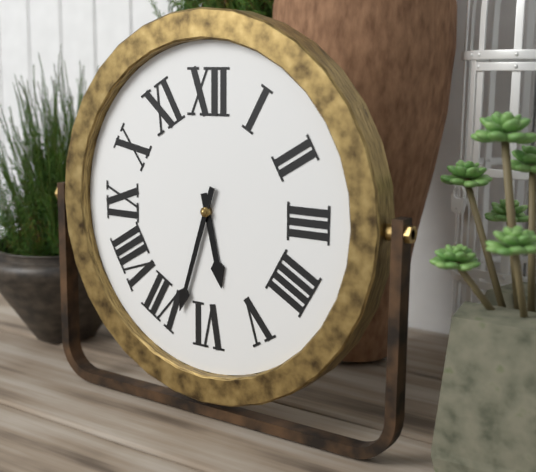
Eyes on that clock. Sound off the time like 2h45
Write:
5h33
